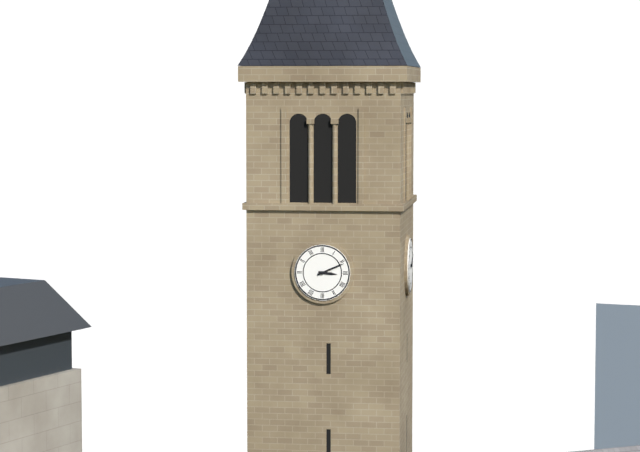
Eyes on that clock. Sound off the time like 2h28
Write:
3h11
